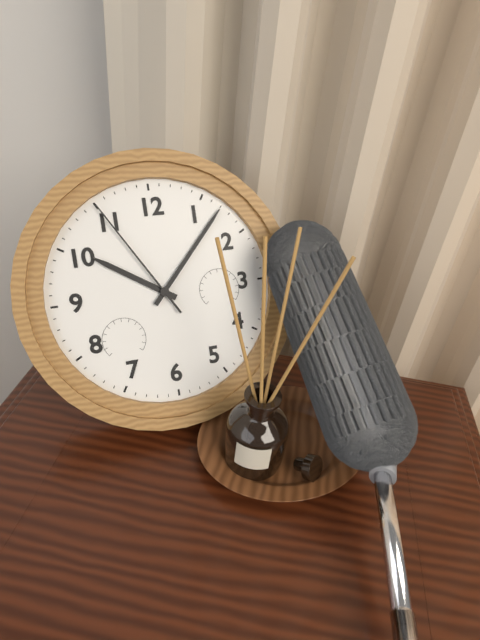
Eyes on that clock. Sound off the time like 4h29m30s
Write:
10h07m55s
